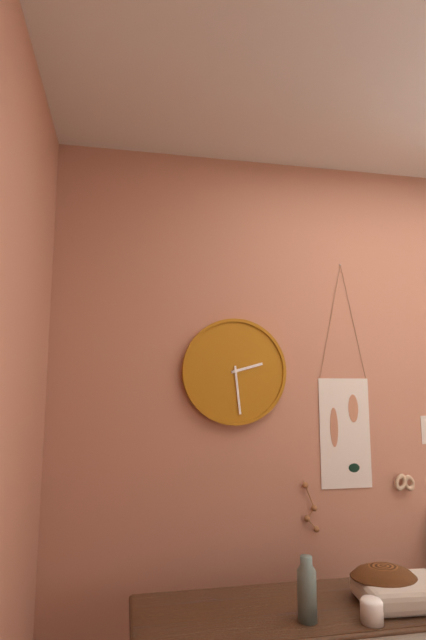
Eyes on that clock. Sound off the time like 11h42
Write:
2h29
